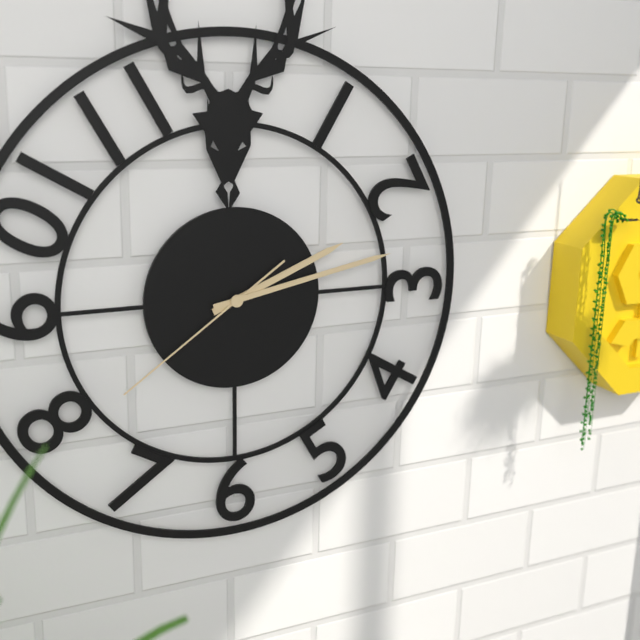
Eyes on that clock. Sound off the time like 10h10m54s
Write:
2h13m39s
